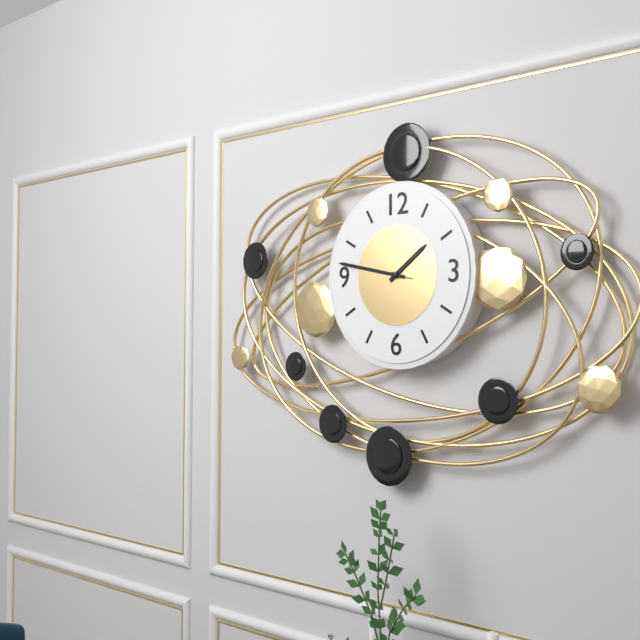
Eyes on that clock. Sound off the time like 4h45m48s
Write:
1h47m47s
